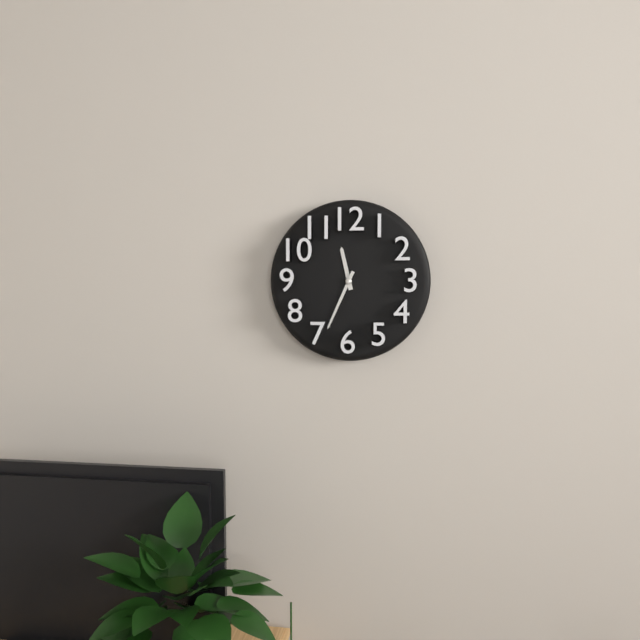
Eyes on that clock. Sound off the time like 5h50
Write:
11h34
